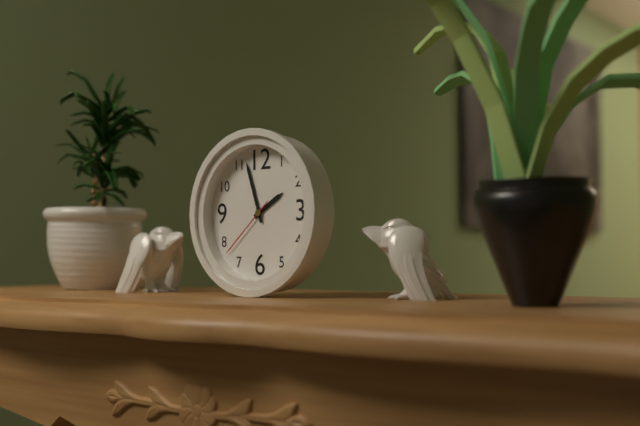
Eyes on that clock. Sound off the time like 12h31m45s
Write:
1h57m38s
